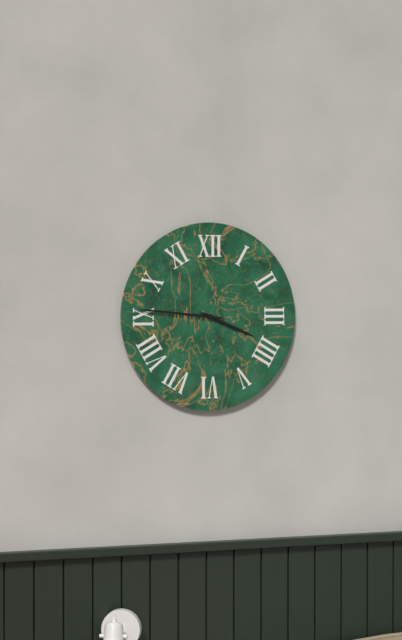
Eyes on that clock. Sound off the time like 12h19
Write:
3h46
